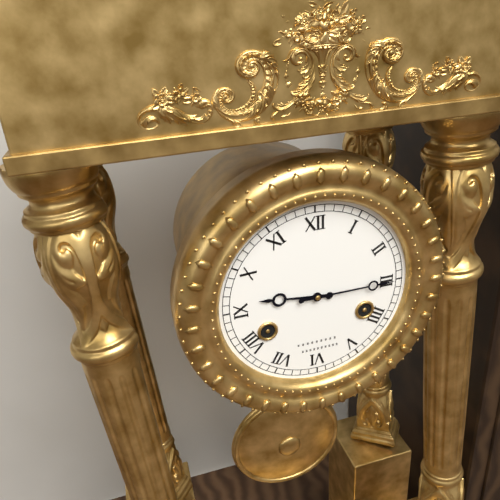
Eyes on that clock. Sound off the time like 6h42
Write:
9h15
